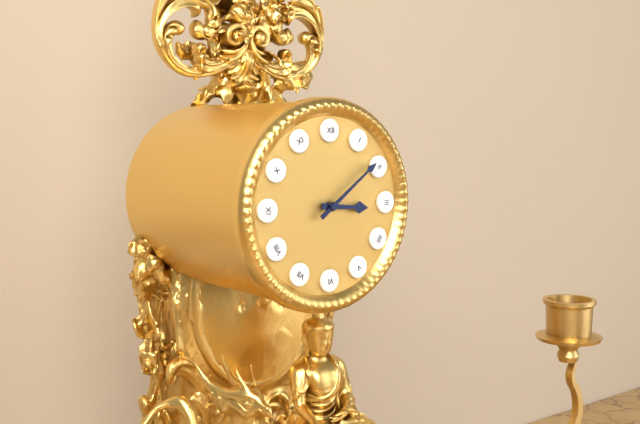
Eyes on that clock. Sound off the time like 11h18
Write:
3h09
